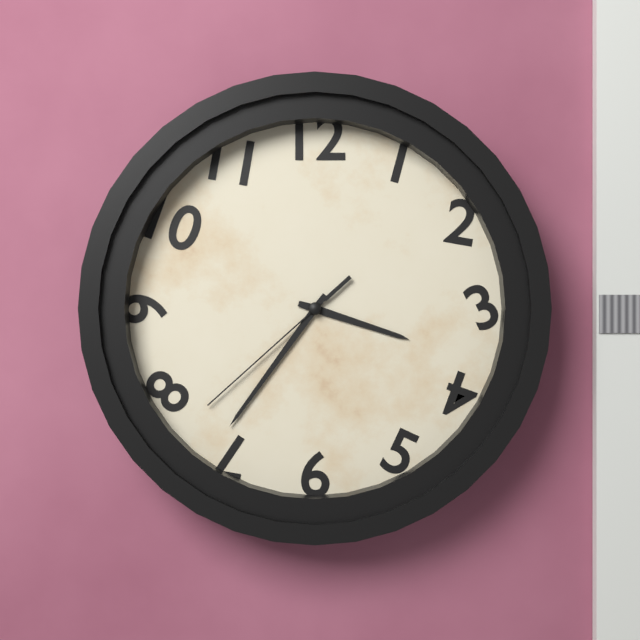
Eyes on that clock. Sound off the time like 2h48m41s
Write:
3h36m38s
